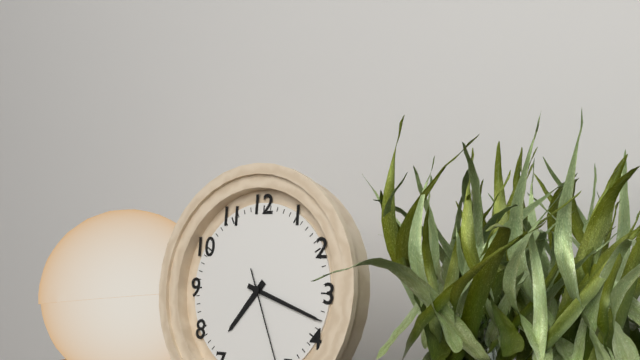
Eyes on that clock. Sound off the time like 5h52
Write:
7h18
